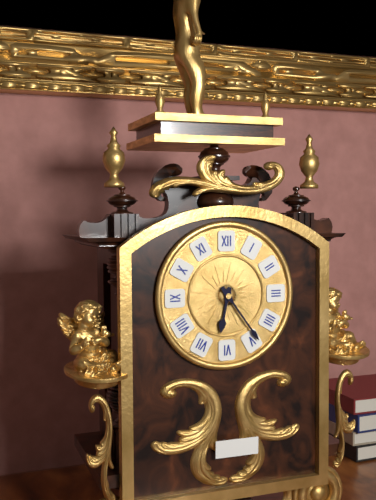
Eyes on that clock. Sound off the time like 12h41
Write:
6h24
